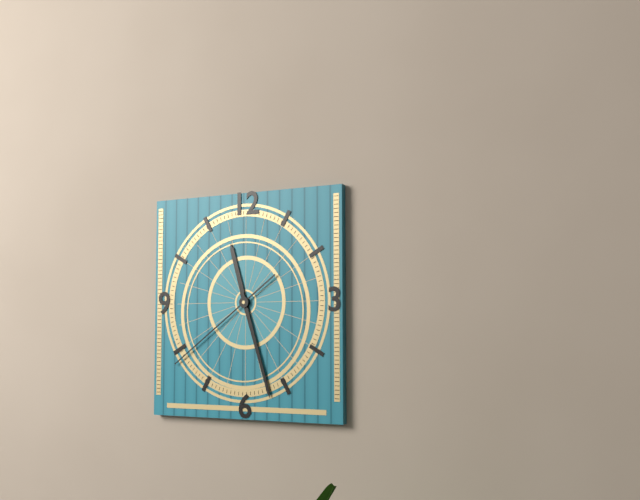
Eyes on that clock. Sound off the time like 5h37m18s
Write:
11h27m39s
